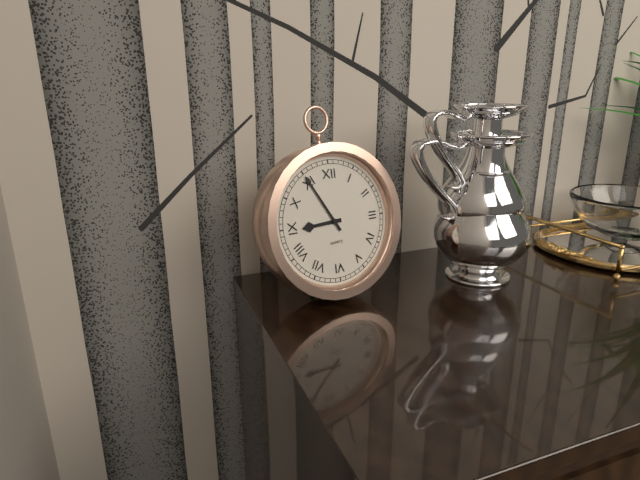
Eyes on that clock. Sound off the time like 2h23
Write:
8h55
